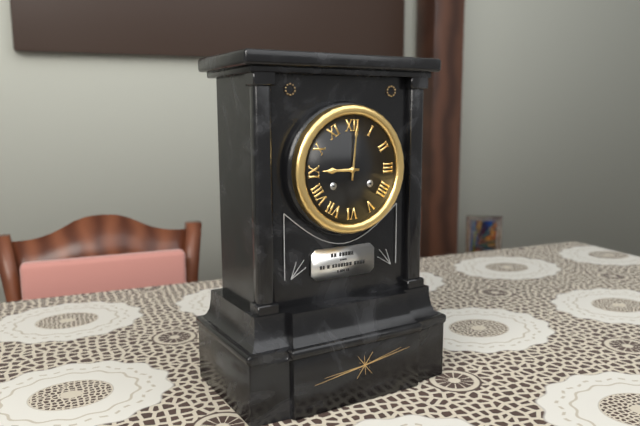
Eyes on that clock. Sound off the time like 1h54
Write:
9h01
